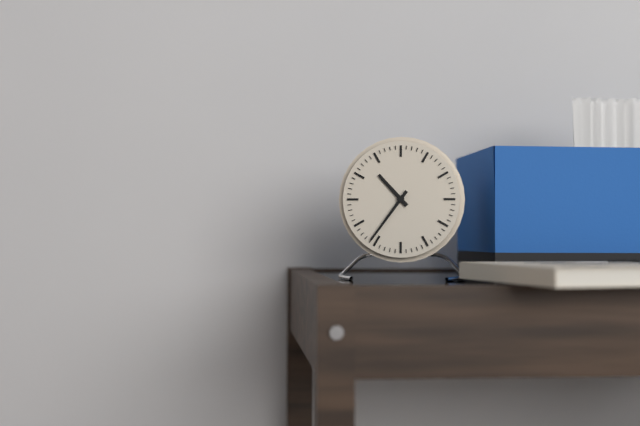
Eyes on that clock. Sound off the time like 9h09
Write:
10h36
